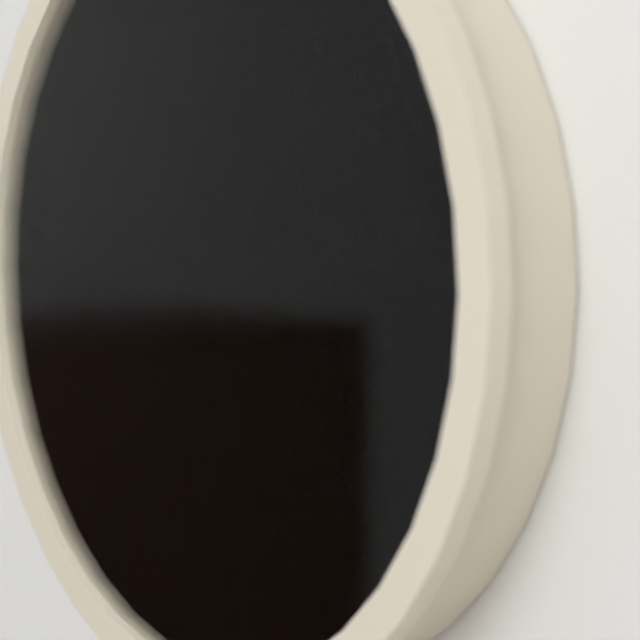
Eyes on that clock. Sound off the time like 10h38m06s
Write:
5h42m19s
